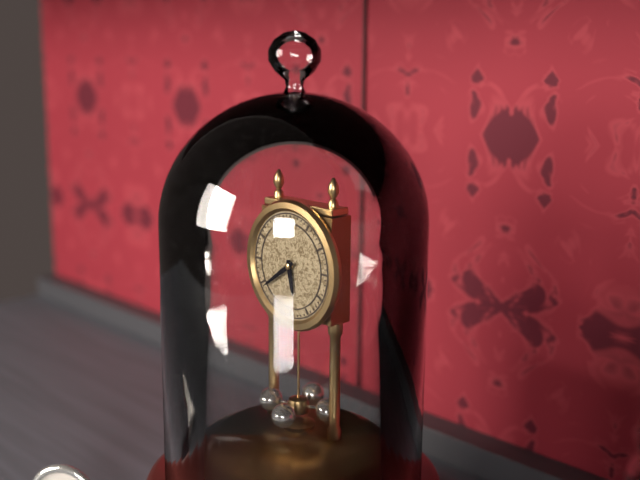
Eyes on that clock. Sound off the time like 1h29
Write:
5h39
